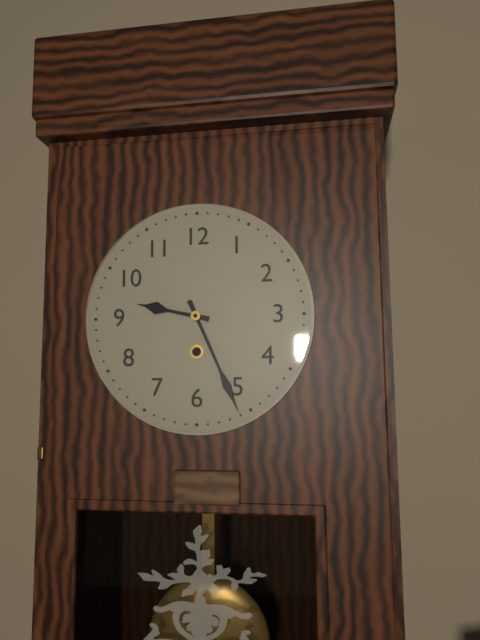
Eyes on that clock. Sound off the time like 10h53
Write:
9h26
